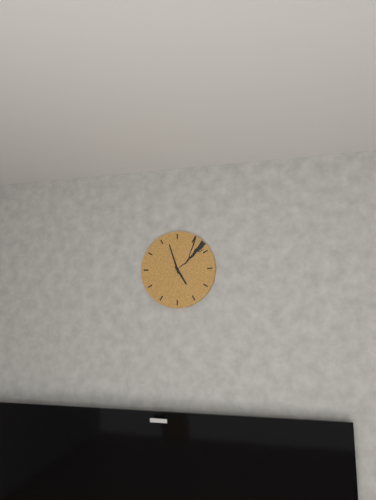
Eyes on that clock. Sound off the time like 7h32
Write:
4h57
